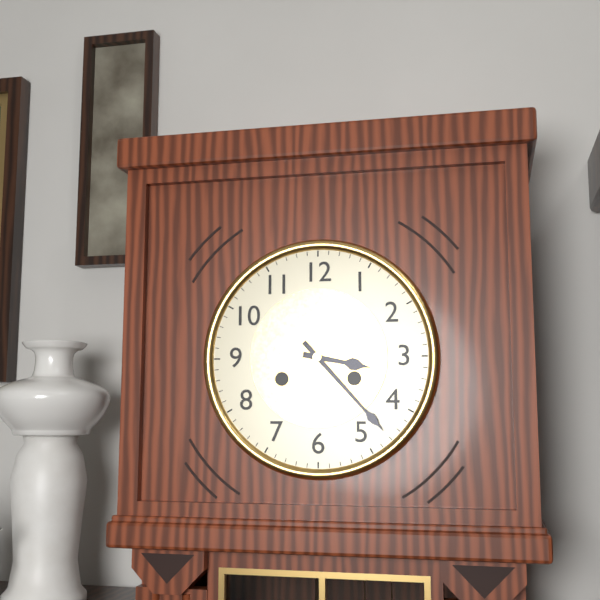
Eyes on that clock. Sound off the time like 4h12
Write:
3h23
